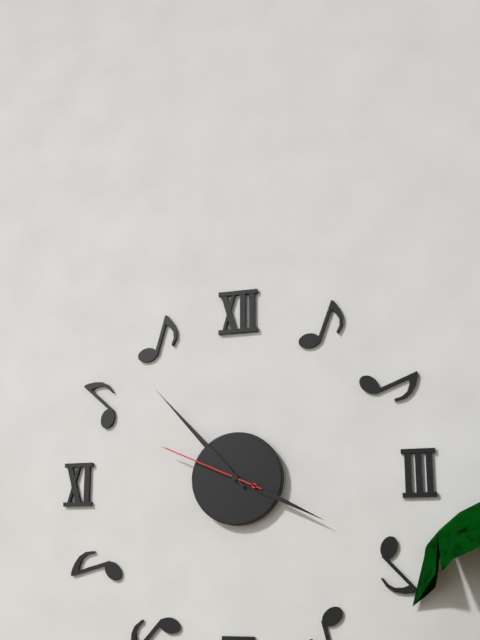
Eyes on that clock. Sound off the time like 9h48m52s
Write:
3h53m49s
